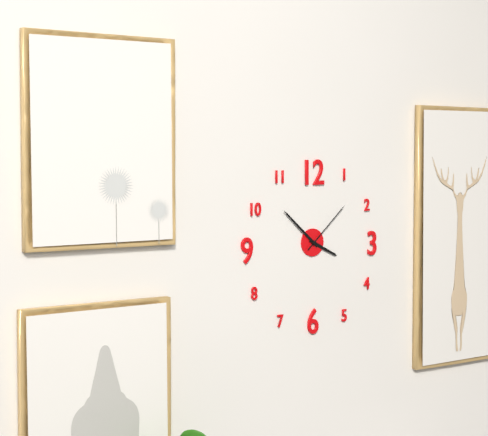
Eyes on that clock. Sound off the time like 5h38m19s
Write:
3h52m08s
